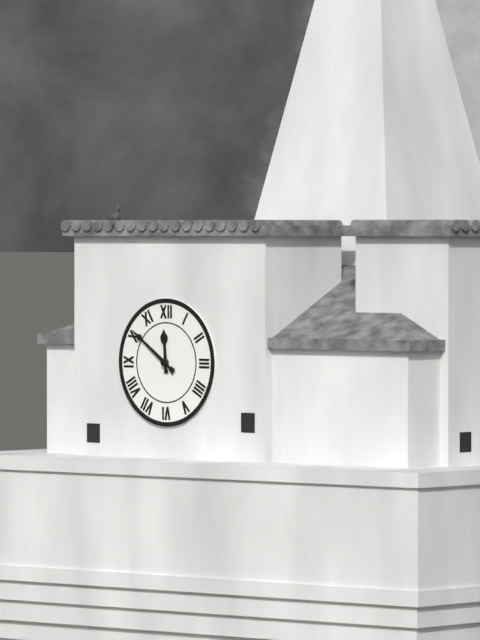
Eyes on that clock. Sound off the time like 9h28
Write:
11h51
